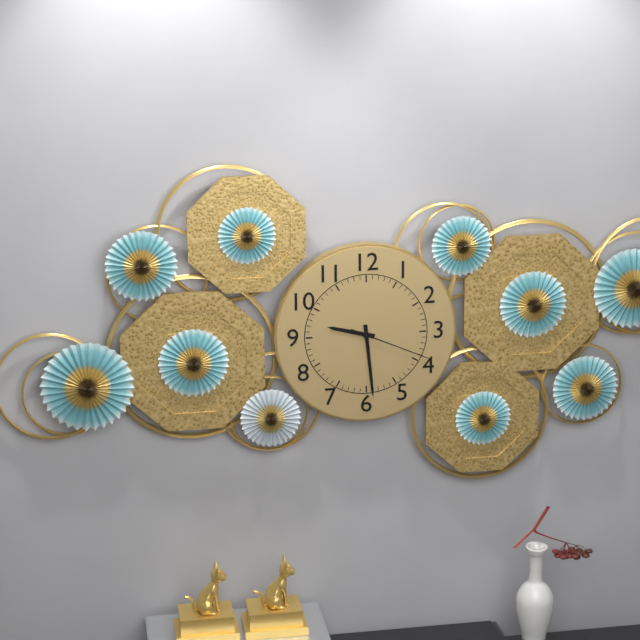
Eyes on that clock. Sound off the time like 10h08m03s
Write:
9h29m19s
